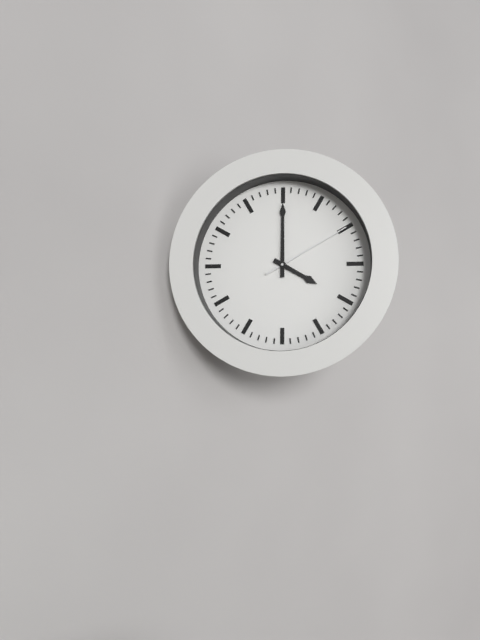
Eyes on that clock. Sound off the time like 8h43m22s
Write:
4h00m10s
